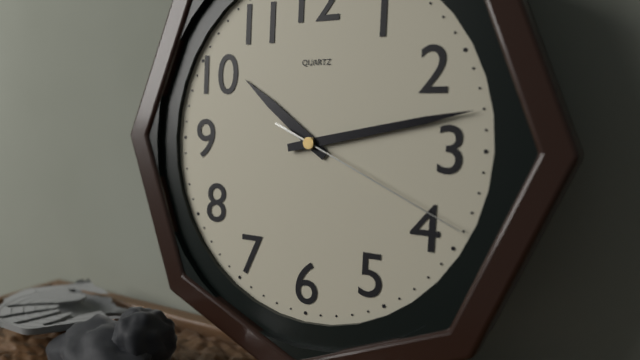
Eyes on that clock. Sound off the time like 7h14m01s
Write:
10h13m19s
